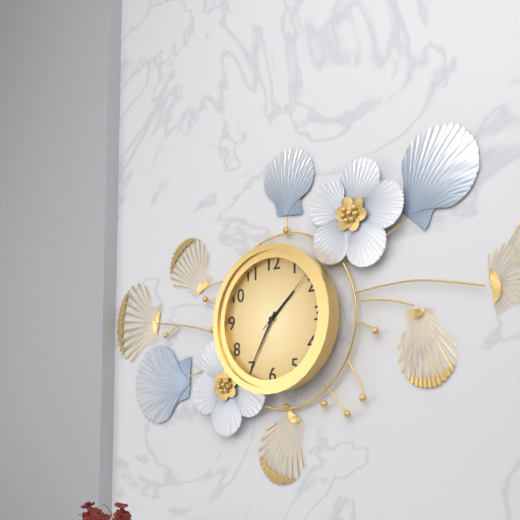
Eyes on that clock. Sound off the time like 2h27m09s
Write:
1h35m08s
